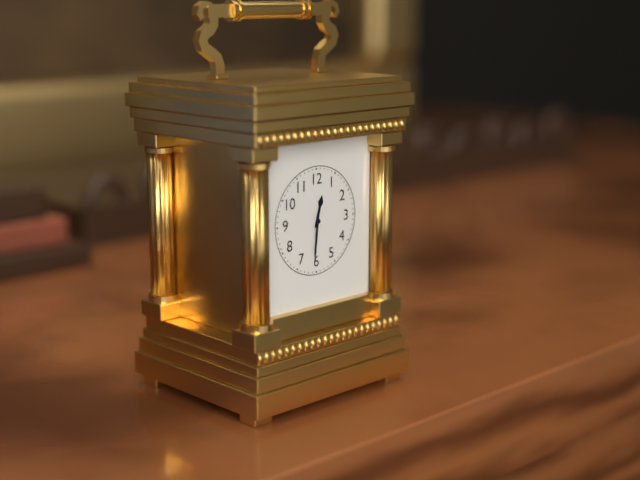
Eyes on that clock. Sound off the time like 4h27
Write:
12h31
